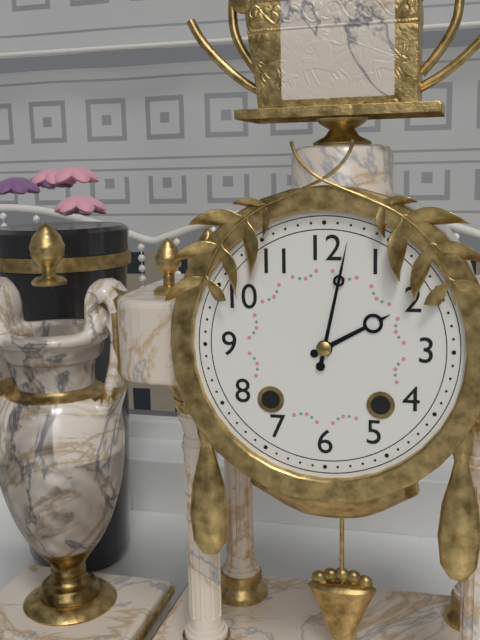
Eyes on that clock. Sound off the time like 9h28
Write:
2h02
